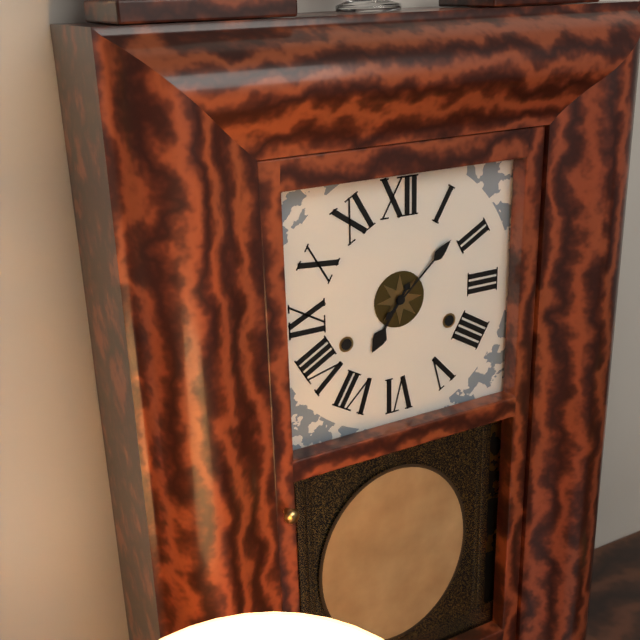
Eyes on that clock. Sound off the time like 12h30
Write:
7h08
